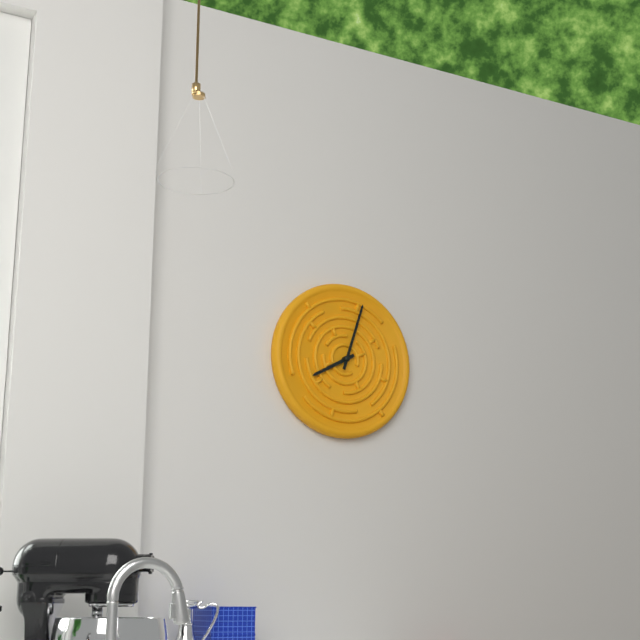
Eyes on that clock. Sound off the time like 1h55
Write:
8h03
